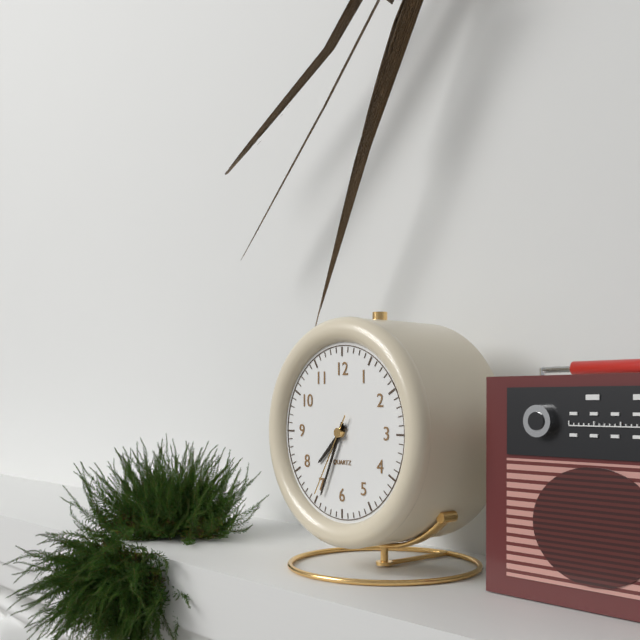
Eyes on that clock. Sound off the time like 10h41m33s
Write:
7h34m35s
